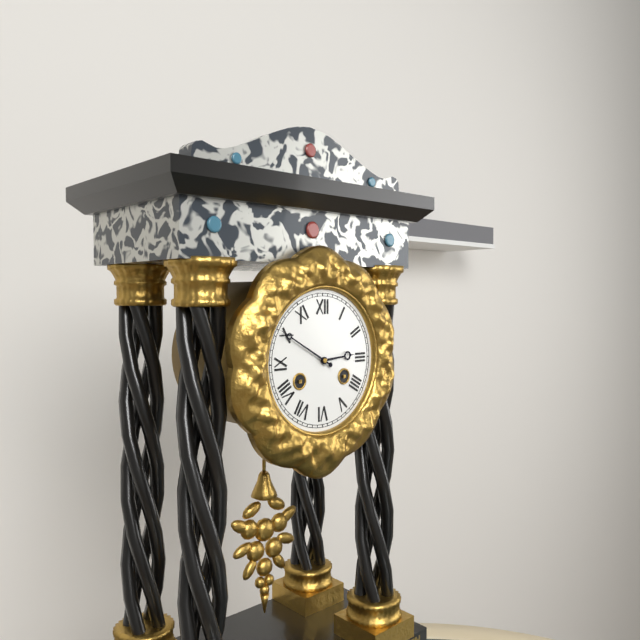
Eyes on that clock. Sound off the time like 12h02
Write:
2h50
